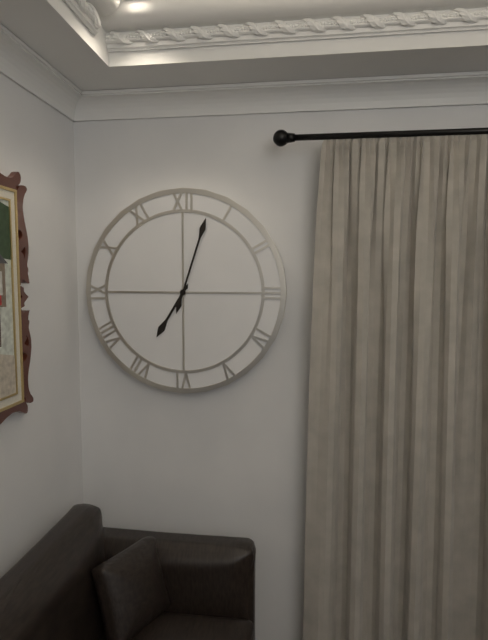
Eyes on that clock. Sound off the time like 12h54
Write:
7h03
